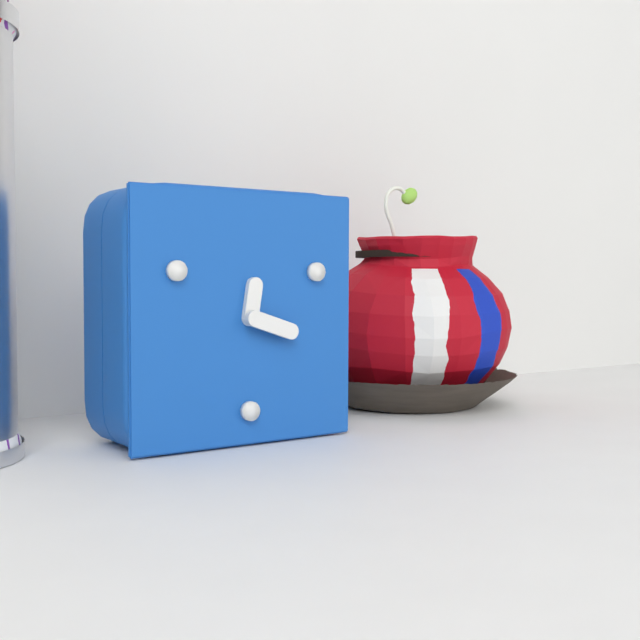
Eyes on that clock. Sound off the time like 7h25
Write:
12h18
